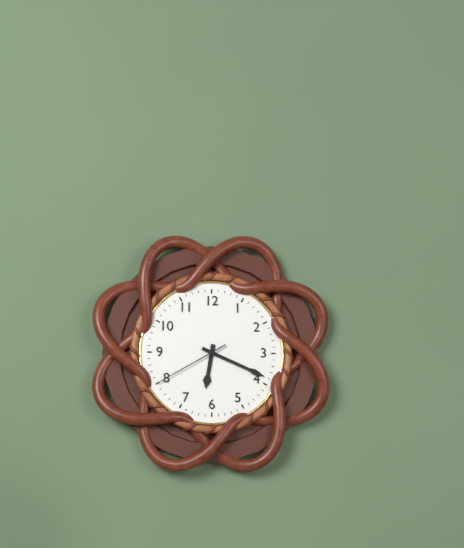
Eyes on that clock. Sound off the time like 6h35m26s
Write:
6h19m40s
